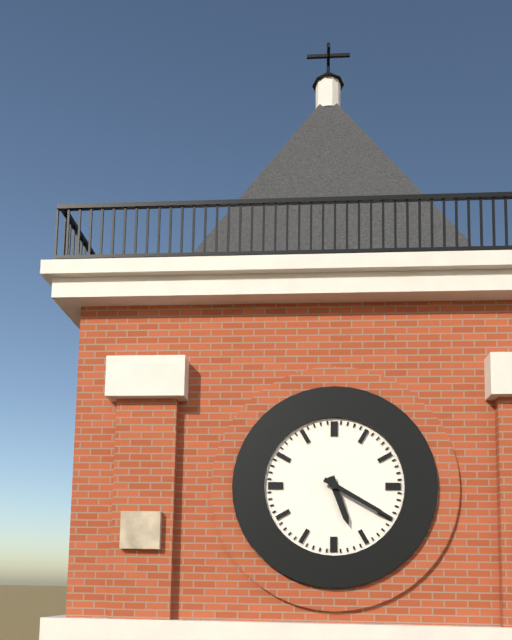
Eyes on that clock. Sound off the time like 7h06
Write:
5h20
